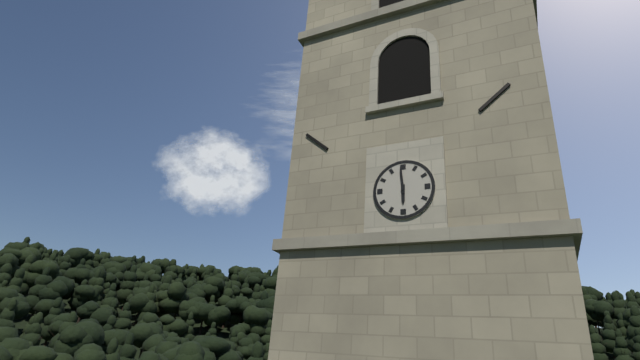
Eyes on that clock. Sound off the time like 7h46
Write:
5h59
